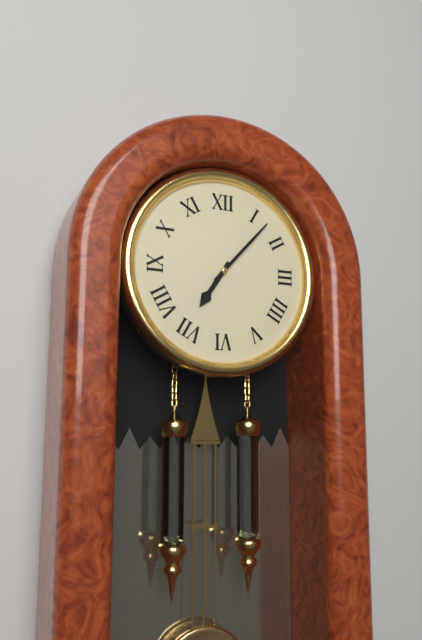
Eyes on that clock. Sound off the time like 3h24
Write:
7h07
